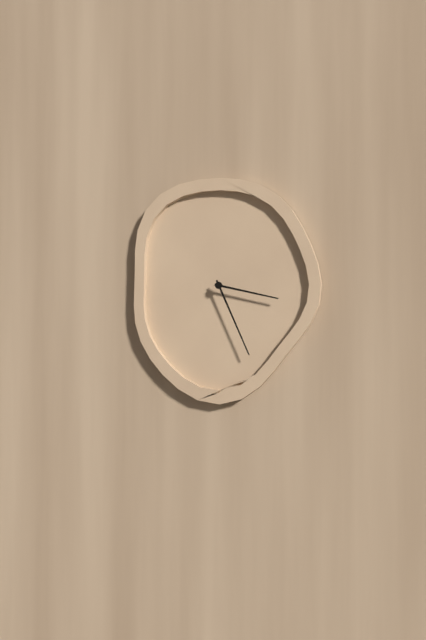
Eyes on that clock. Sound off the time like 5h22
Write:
3h26
